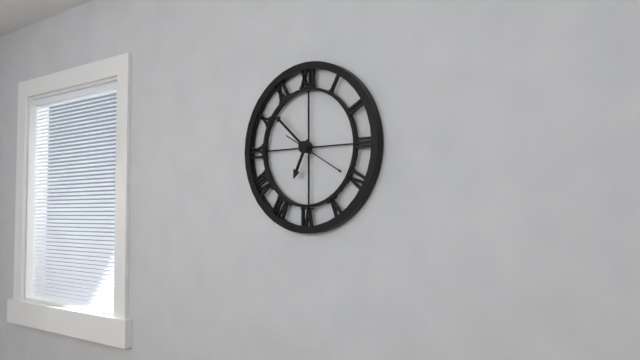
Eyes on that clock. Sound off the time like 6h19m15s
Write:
6h52m20s
